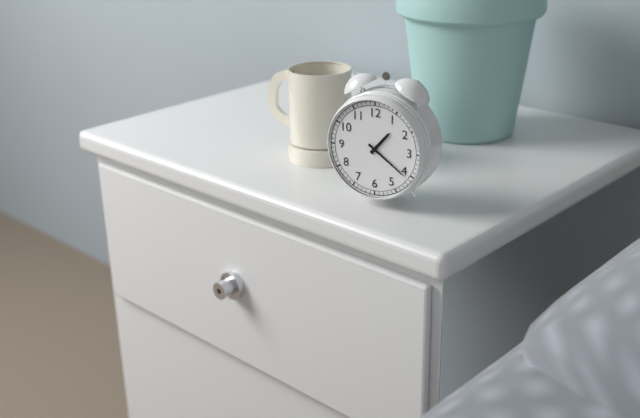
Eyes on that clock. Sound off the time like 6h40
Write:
1h21
